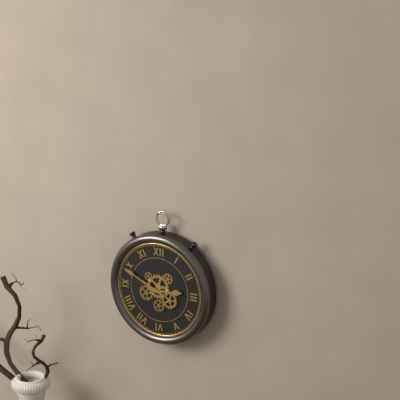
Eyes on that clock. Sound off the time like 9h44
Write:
2h49
